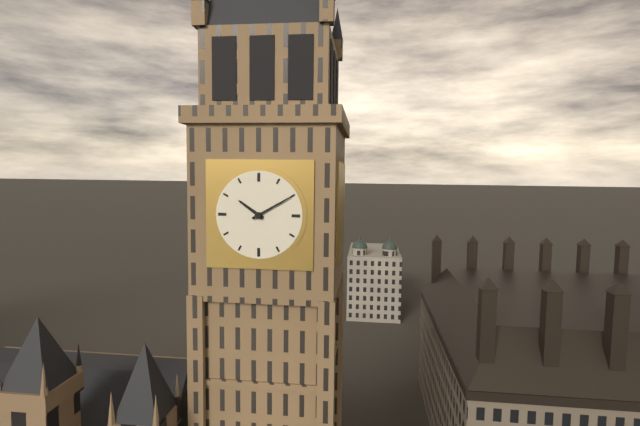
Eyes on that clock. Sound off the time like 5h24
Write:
10h10
